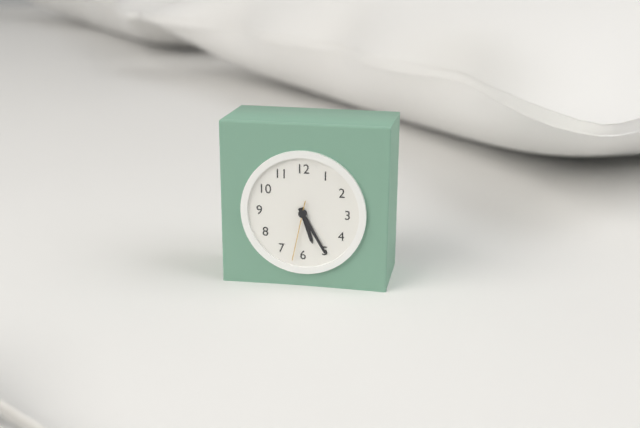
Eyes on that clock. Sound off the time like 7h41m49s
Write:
5h25m32s
